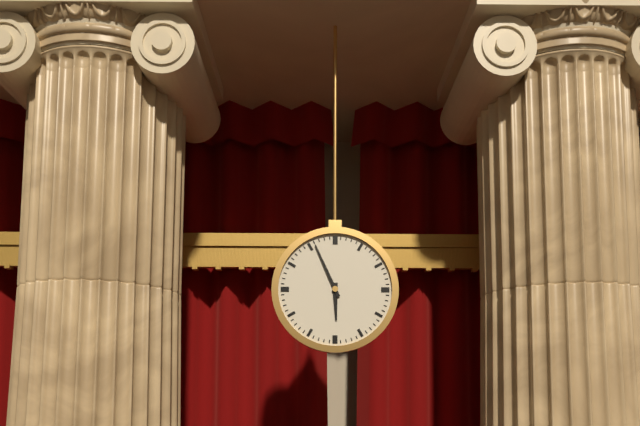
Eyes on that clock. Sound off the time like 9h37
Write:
5h56
